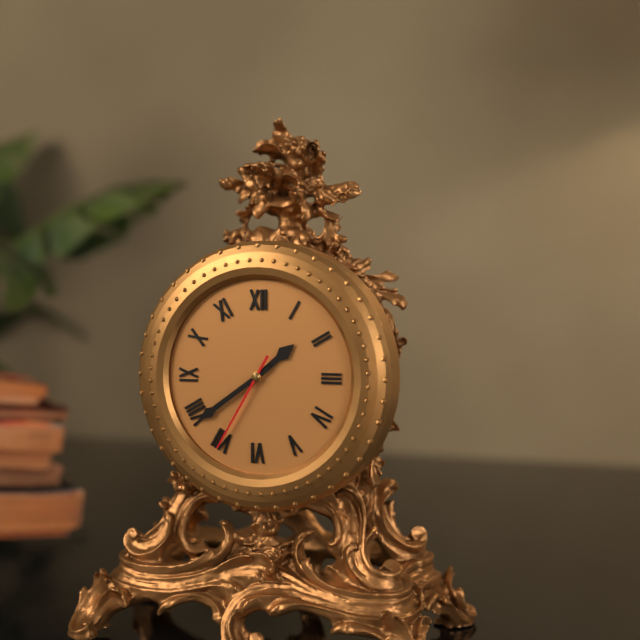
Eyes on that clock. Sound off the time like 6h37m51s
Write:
1h39m35s
